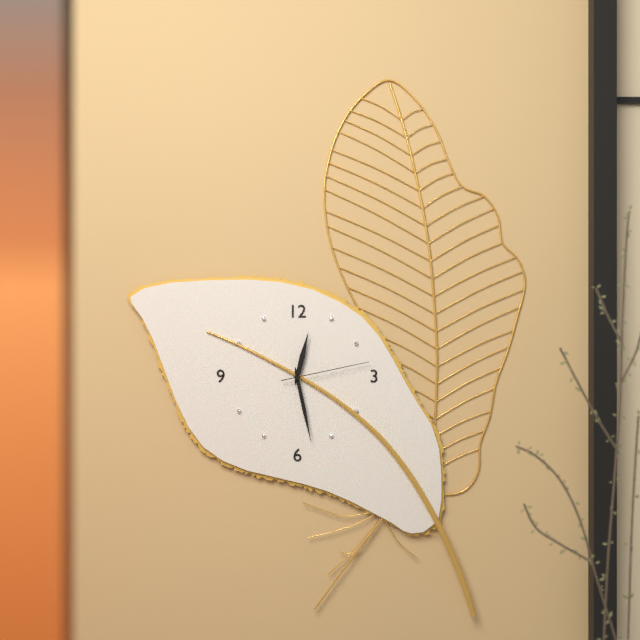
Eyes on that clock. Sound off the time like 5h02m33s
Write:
12h28m13s
